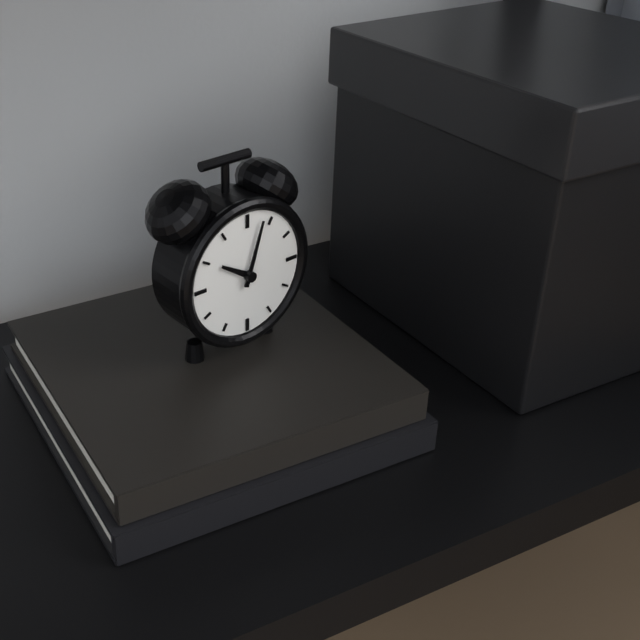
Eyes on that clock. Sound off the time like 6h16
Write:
10h03
